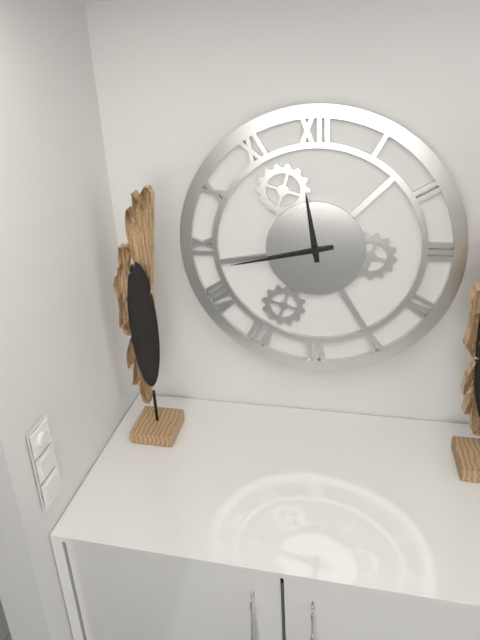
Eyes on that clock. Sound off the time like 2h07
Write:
11h43
